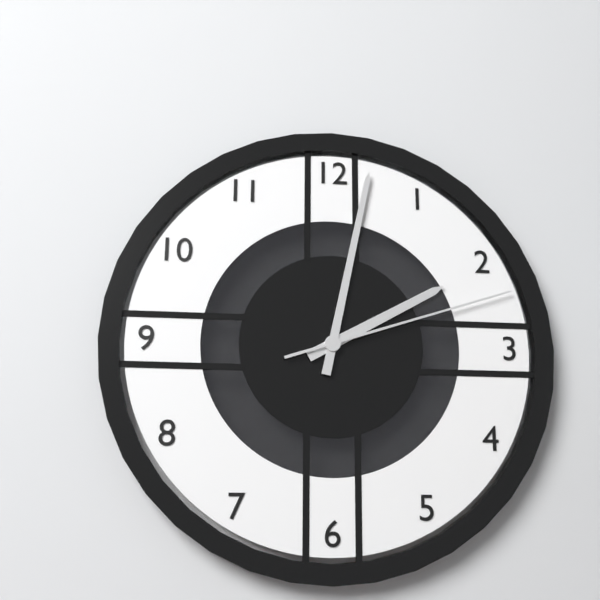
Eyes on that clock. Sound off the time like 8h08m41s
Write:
2h02m12s
